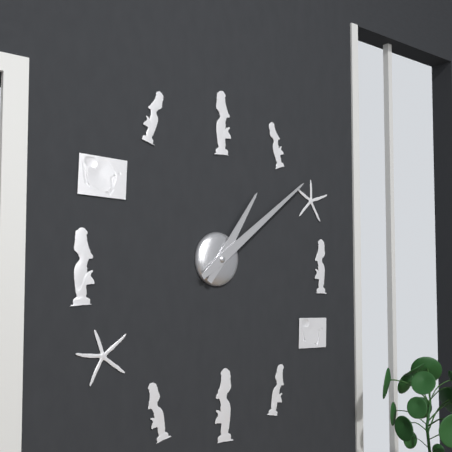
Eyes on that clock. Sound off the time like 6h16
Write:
1h09
